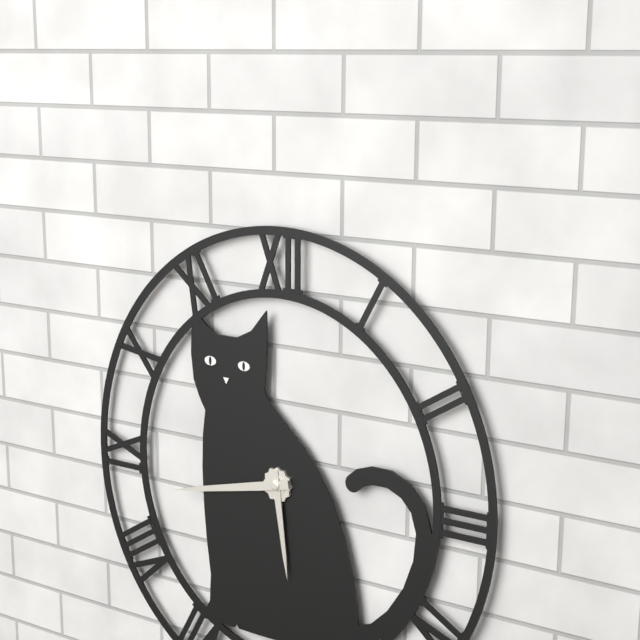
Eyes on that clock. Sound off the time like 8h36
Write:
5h43
